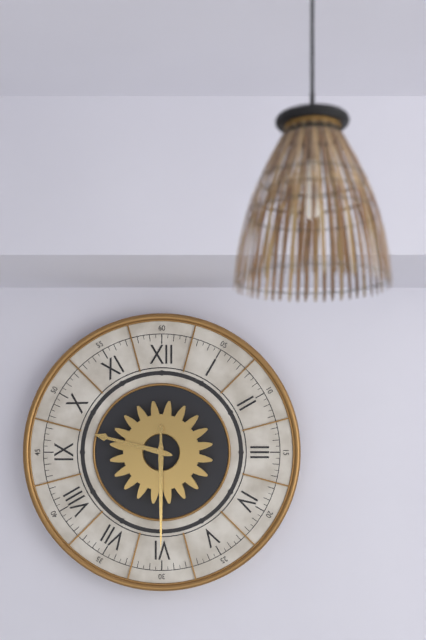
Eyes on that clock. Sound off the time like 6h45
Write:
9h30
